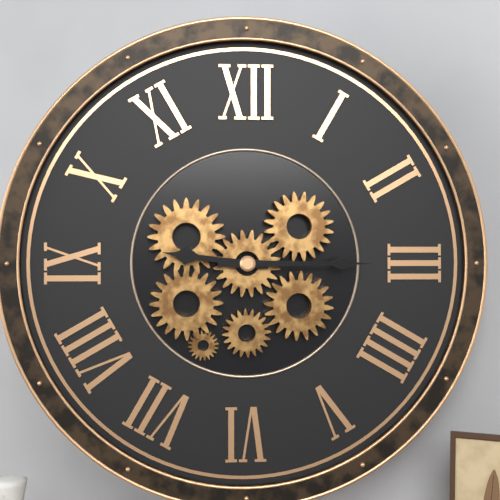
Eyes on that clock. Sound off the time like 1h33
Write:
9h15
